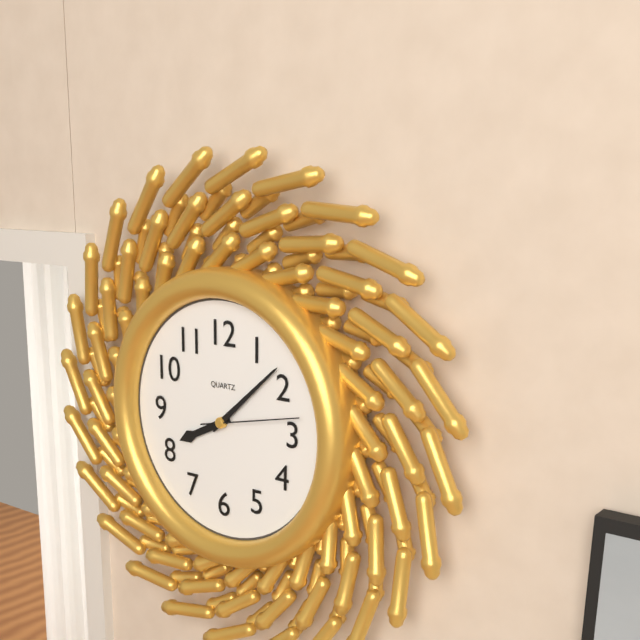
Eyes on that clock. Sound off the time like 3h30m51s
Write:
8h08m13s
